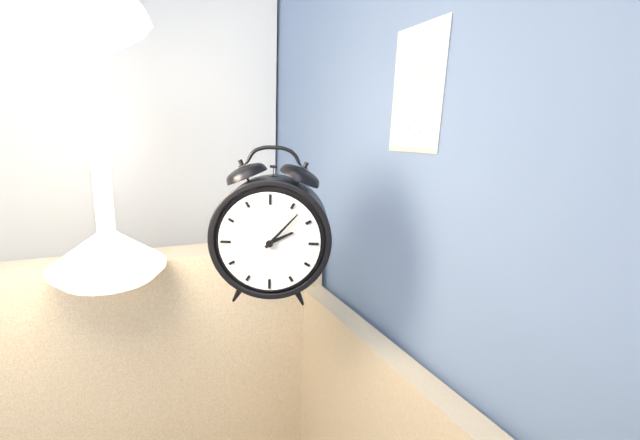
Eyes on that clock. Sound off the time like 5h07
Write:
2h07
